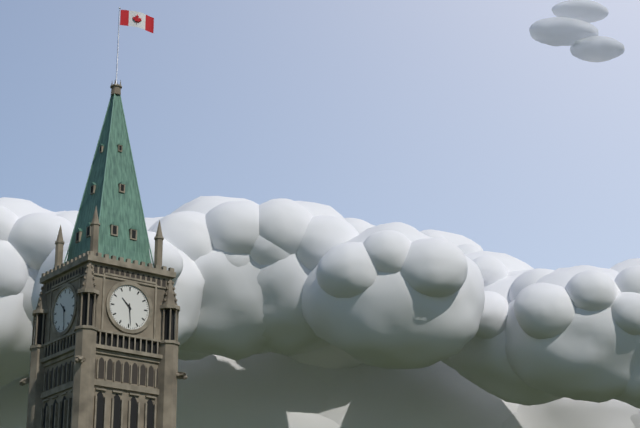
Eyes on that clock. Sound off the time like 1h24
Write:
10h29
